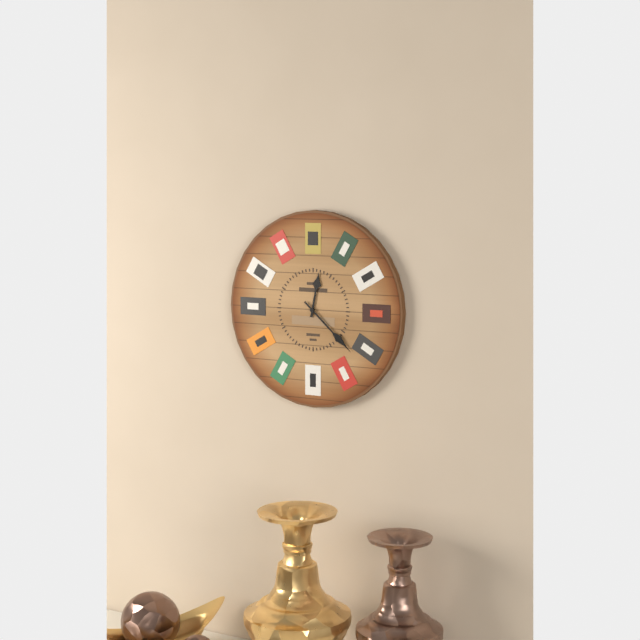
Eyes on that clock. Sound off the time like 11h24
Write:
12h22
